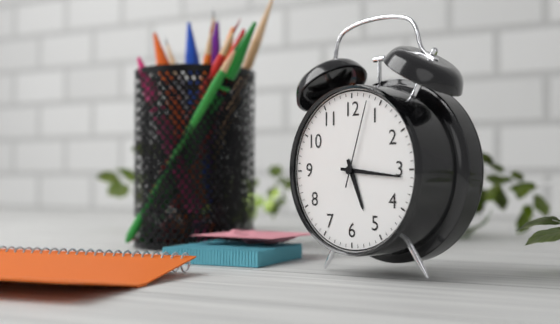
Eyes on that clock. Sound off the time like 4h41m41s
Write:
5h16m03s
